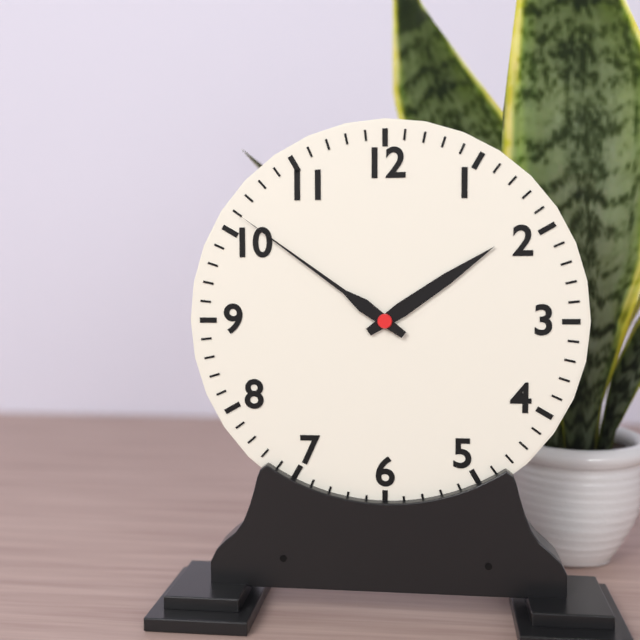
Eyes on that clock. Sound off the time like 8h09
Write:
1h51
